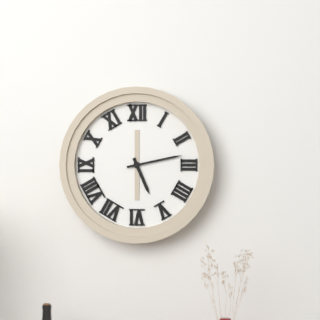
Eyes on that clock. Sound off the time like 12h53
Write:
5h13
